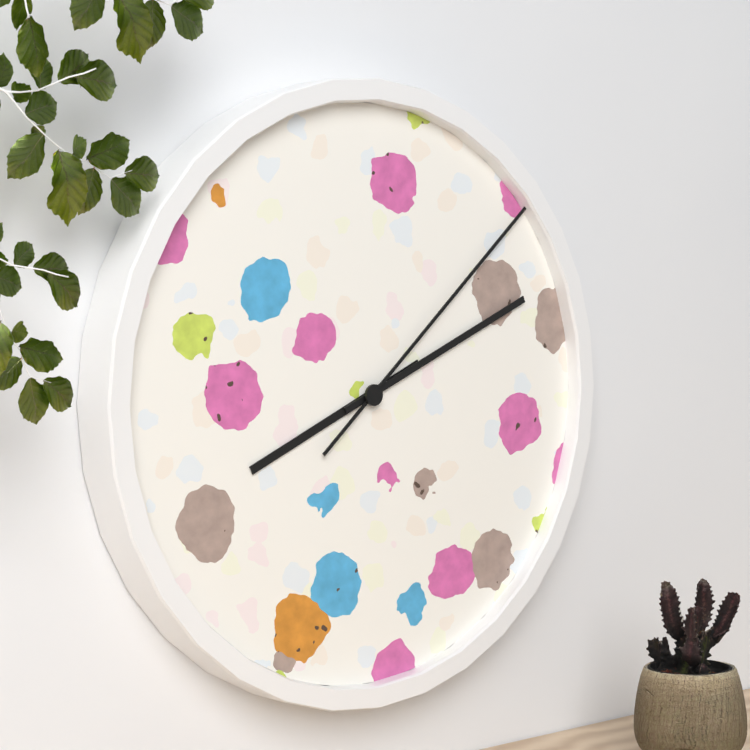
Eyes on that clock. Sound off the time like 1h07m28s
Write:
8h11m08s
